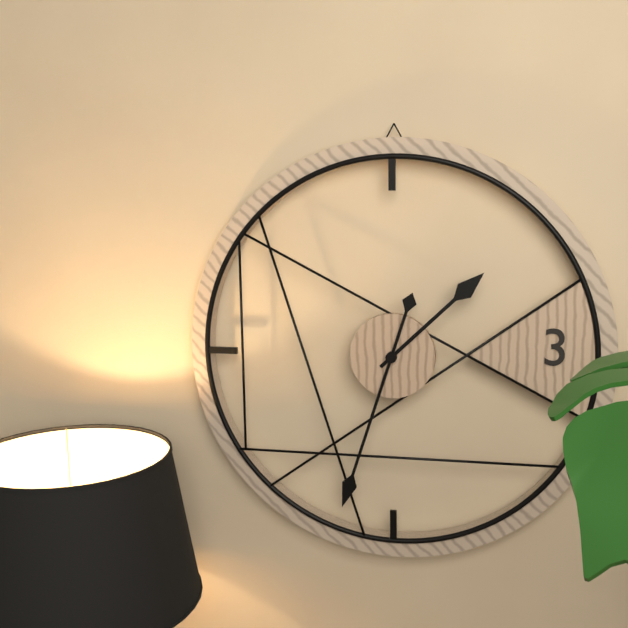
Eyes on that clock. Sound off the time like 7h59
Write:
1h33
